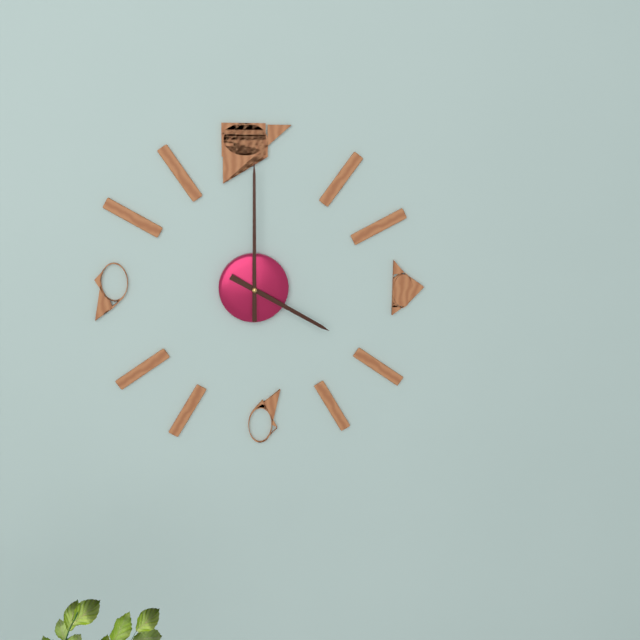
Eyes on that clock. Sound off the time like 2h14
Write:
4h00
